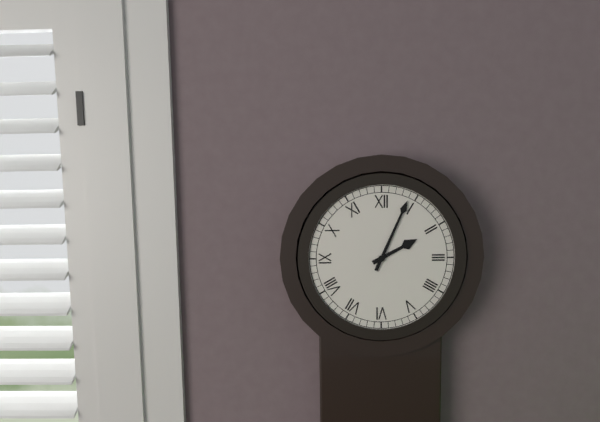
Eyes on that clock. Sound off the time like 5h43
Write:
2h04
